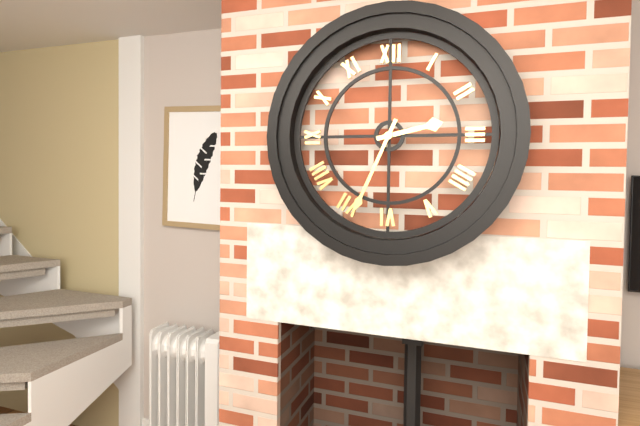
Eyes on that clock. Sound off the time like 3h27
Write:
2h34
